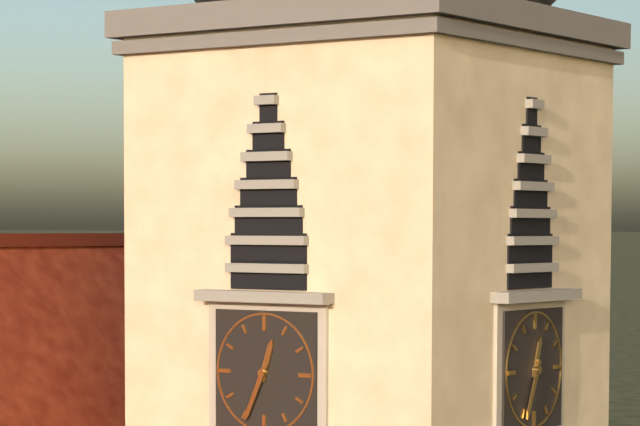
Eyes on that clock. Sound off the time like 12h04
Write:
12h34
